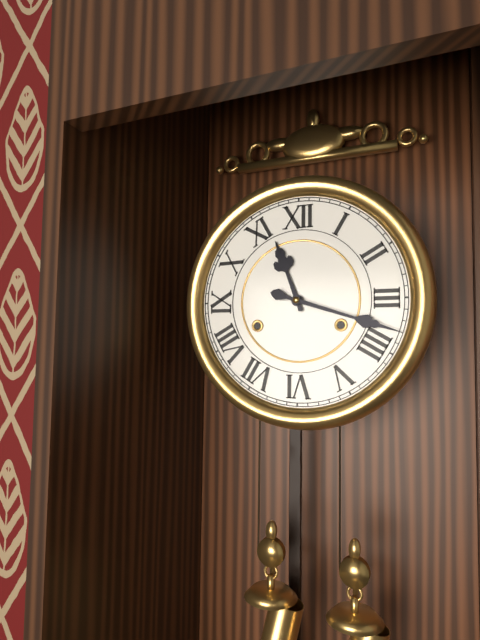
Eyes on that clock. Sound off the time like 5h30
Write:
11h18
